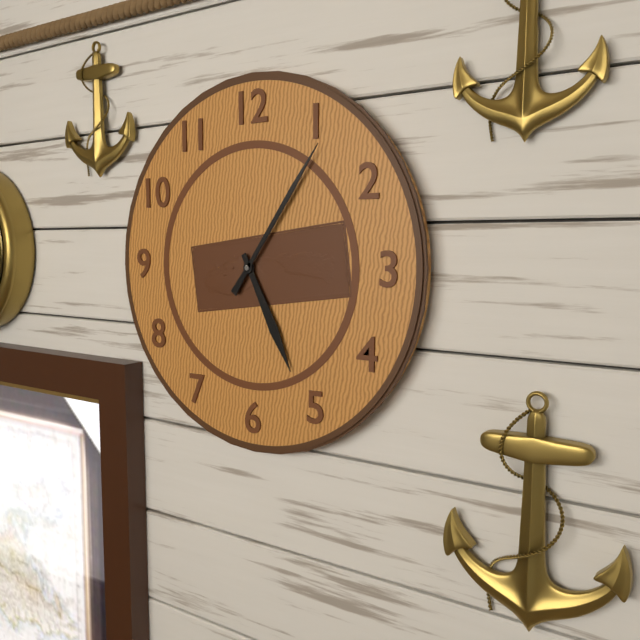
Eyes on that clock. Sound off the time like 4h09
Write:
5h06
